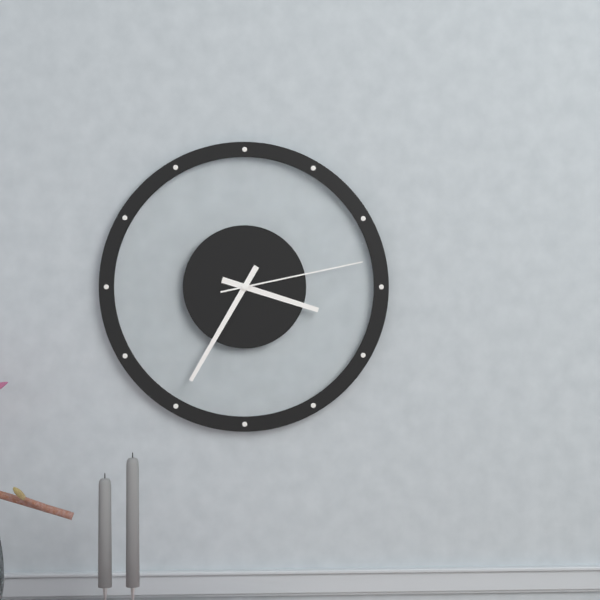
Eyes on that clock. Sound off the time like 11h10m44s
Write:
3h35m13s
